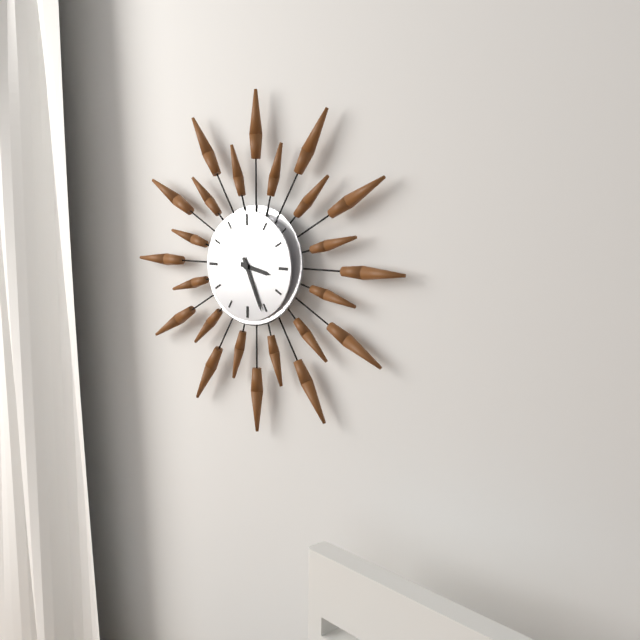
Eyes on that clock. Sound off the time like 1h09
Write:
3h26
